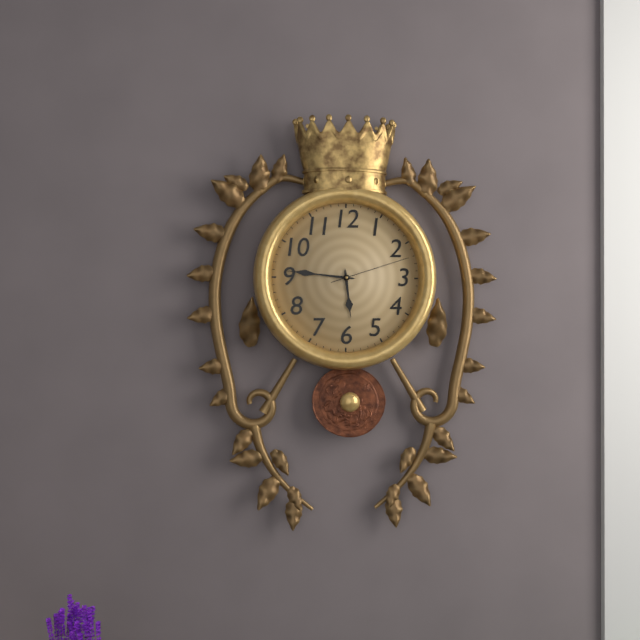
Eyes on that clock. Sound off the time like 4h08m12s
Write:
5h46m12s
